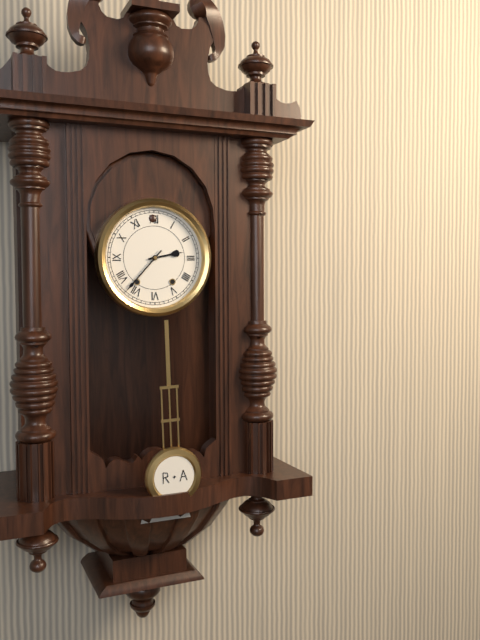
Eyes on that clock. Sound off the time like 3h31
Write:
2h37
